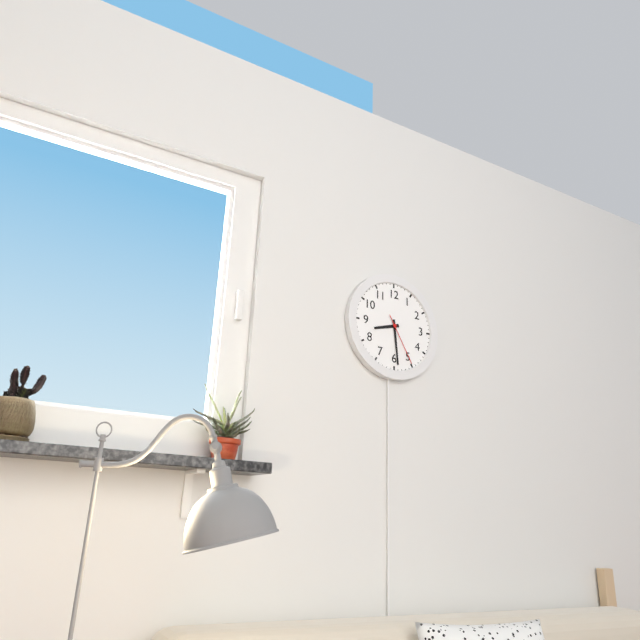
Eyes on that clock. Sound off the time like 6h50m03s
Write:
8h29m25s
